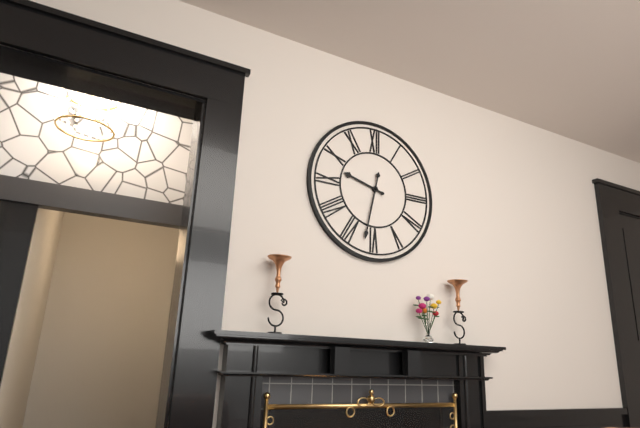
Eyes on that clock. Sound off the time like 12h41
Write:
9h32
